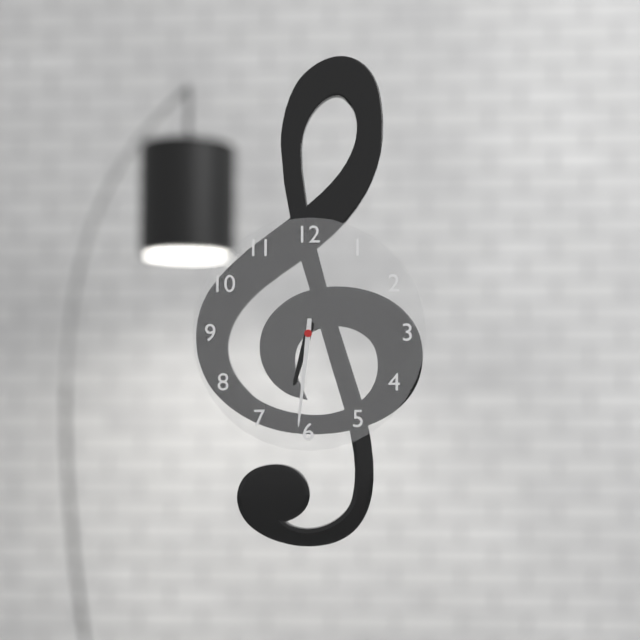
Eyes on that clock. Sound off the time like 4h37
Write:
6h31
